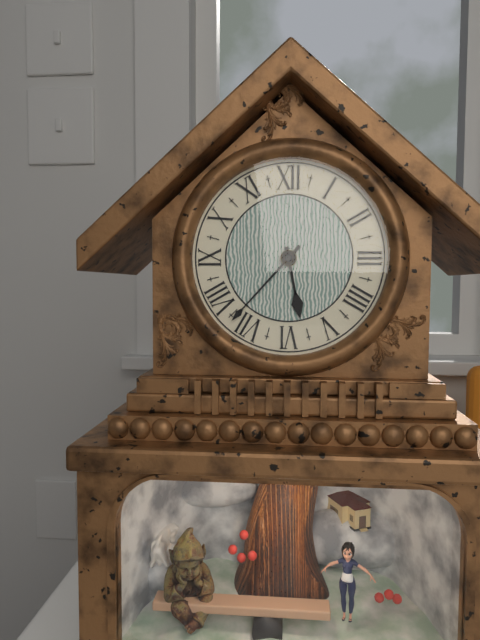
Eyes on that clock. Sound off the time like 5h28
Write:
5h37
